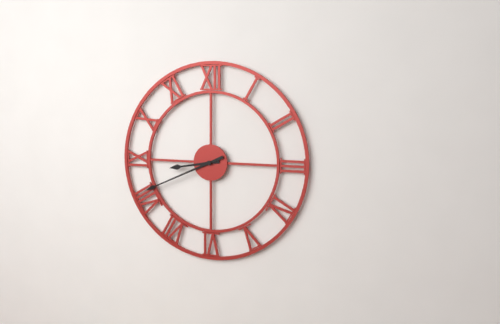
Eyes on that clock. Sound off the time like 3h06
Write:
8h41
